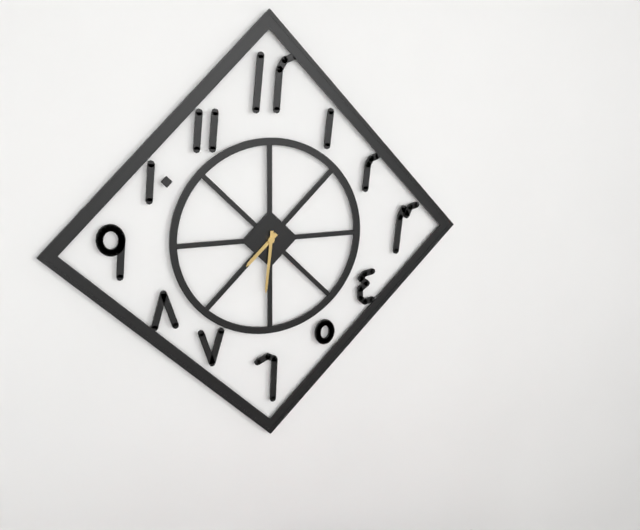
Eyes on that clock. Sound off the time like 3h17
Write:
7h31
